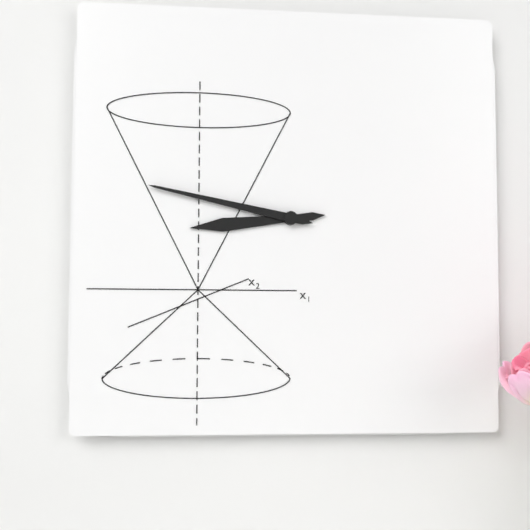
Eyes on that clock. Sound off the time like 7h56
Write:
8h47
